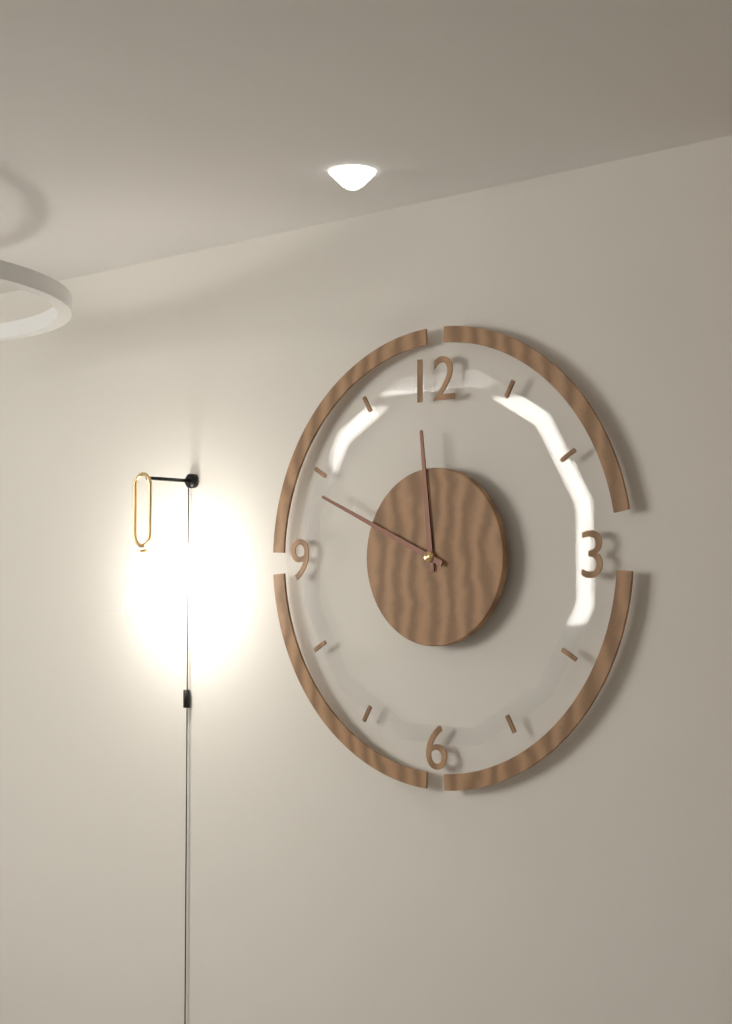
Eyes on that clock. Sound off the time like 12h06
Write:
11h49
